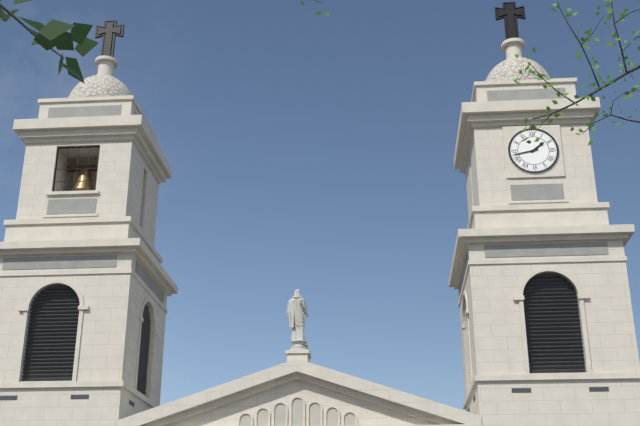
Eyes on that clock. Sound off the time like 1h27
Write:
1h43
